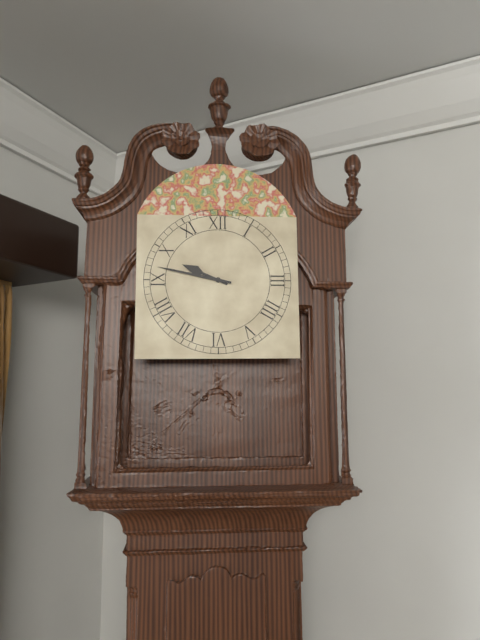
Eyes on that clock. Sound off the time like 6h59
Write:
9h47
